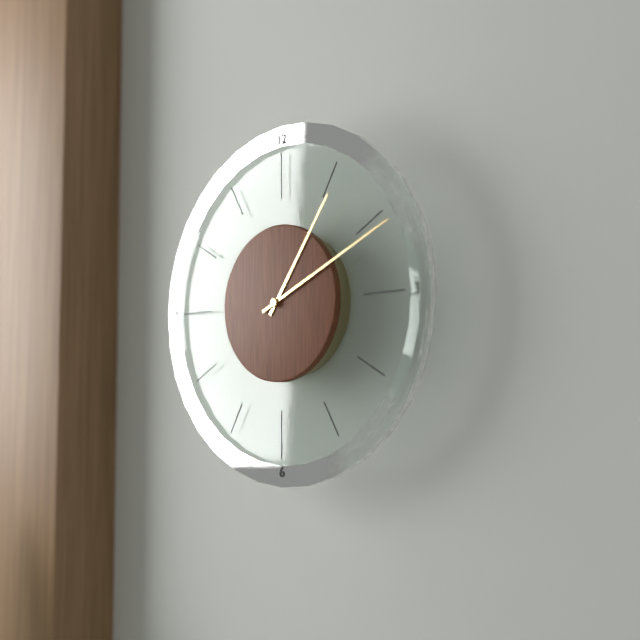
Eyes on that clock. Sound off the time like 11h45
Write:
1h11
